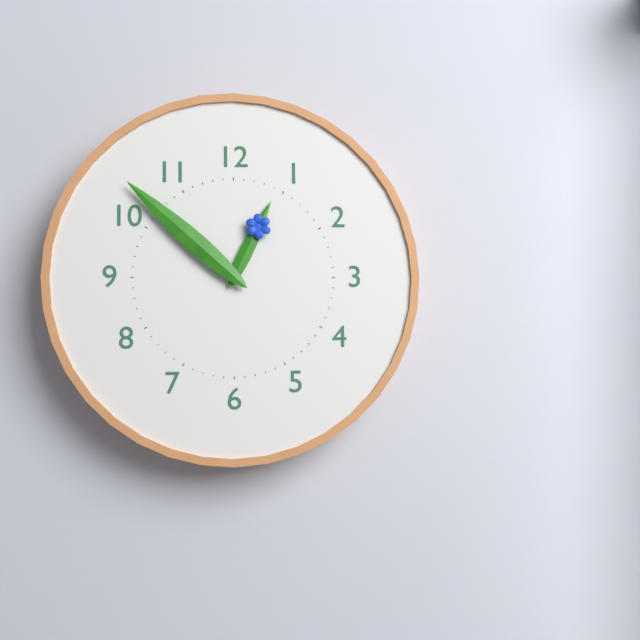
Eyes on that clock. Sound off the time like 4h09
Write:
12h52
